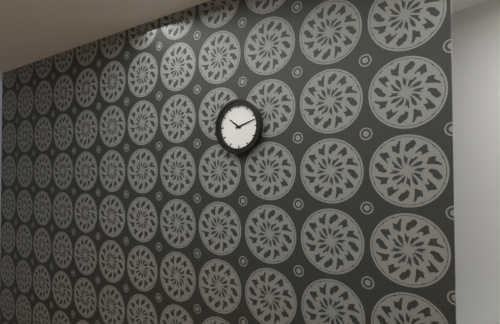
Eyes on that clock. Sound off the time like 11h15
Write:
10h12
